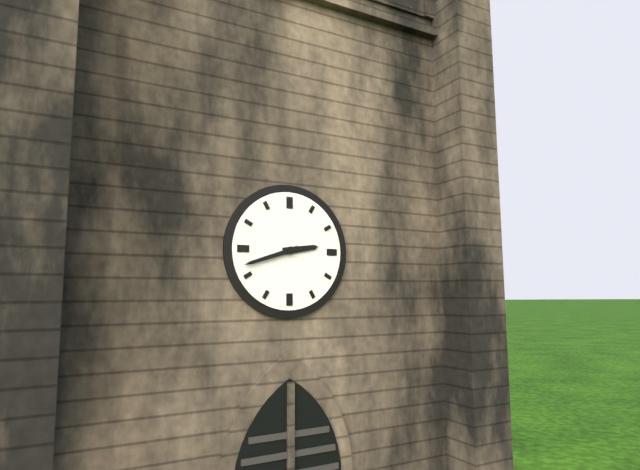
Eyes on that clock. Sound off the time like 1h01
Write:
2h42
